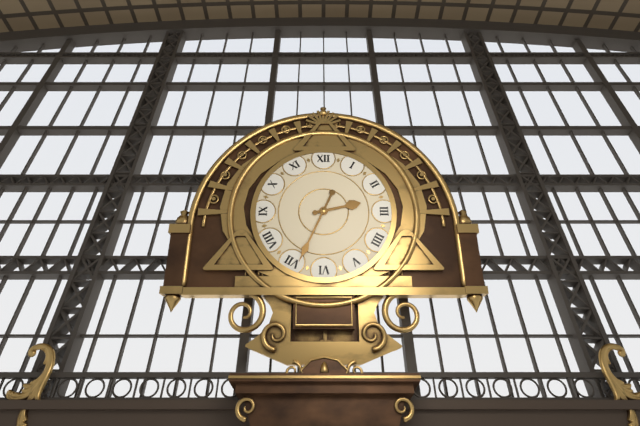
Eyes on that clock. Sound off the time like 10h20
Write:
2h34
